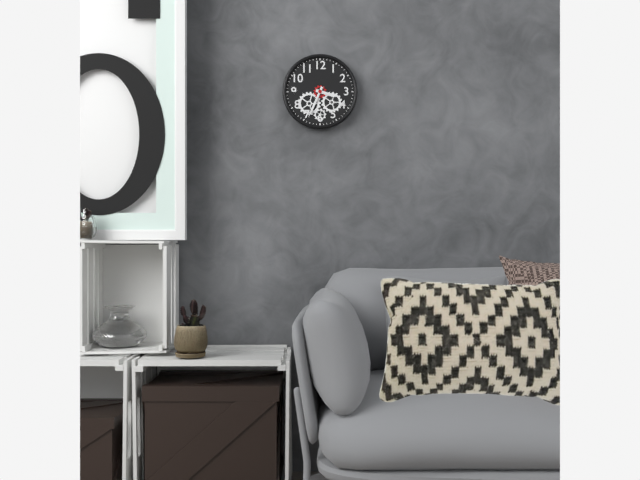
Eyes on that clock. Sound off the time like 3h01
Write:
3h34
